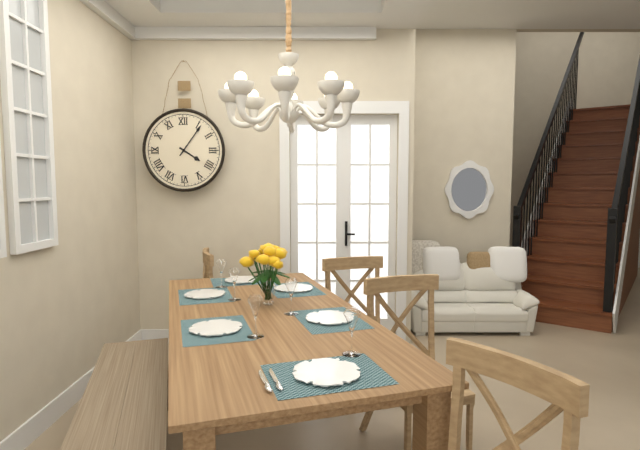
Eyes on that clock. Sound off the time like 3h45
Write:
4h06
